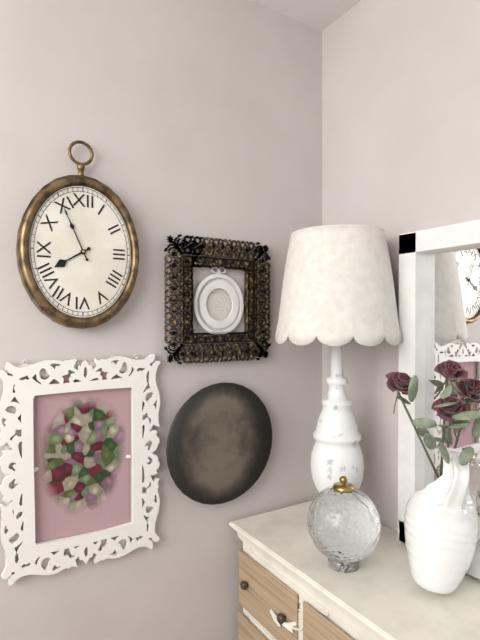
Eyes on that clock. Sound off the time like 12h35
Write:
7h56
